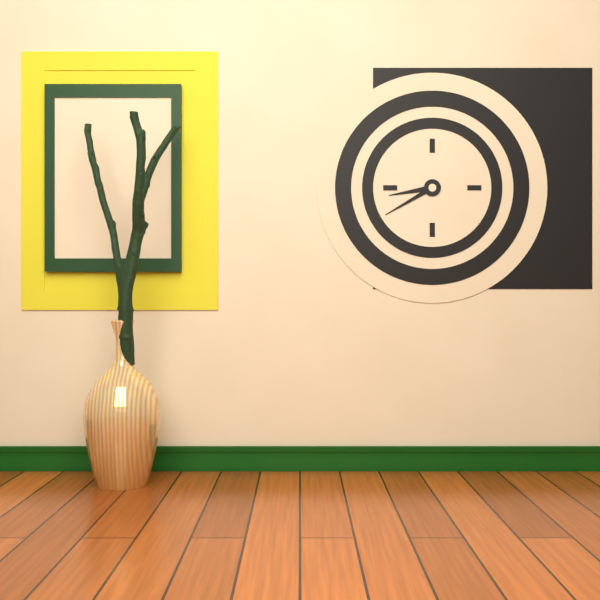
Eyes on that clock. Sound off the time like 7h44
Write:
8h40
